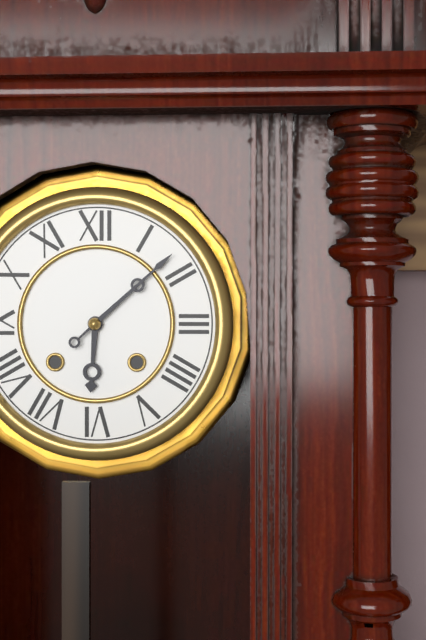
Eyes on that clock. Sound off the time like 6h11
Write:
6h08
